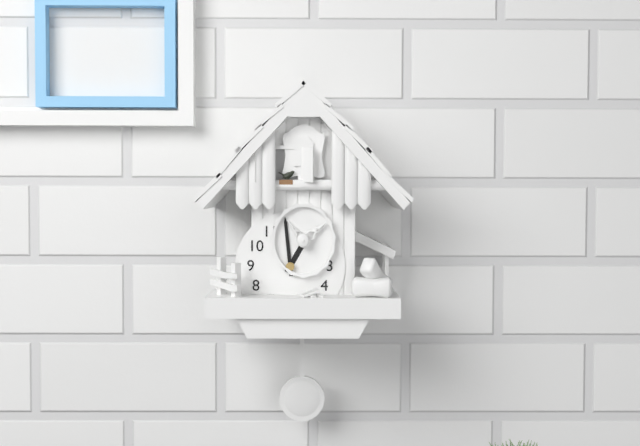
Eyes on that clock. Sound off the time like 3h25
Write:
12h59
